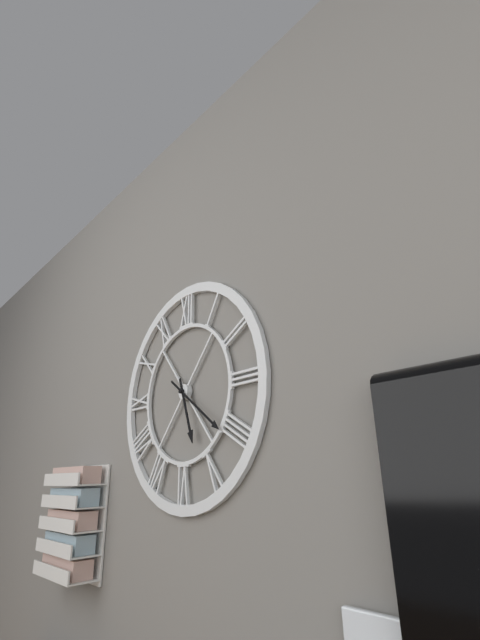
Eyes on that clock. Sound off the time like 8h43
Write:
5h21
